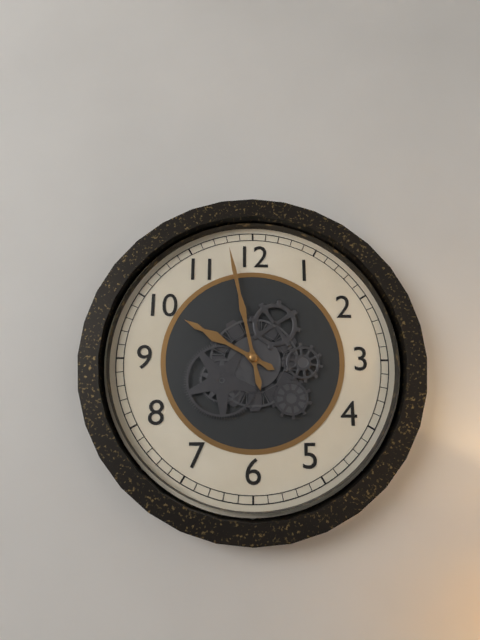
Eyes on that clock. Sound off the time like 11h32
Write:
9h58
